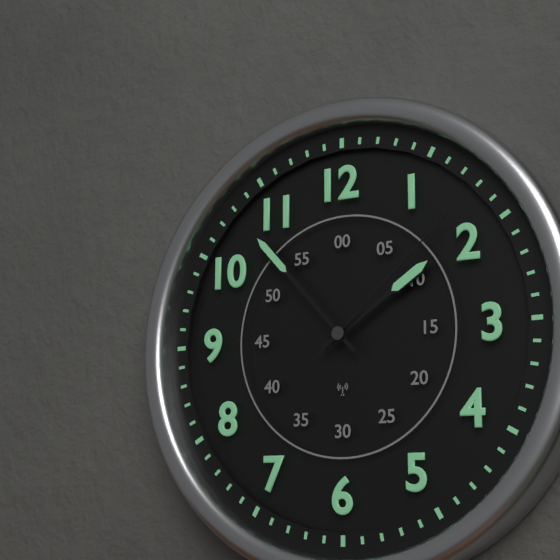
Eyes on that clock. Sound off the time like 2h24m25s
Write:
1h53m08s
